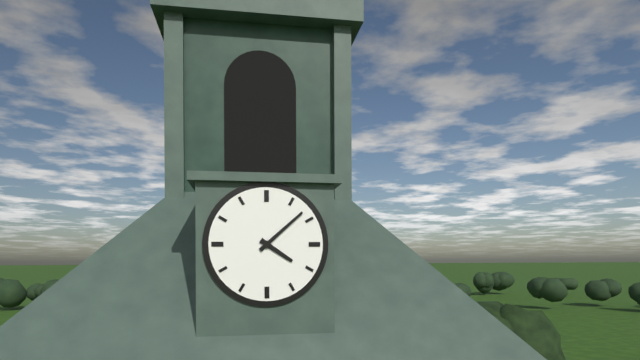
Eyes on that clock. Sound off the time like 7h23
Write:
4h08
